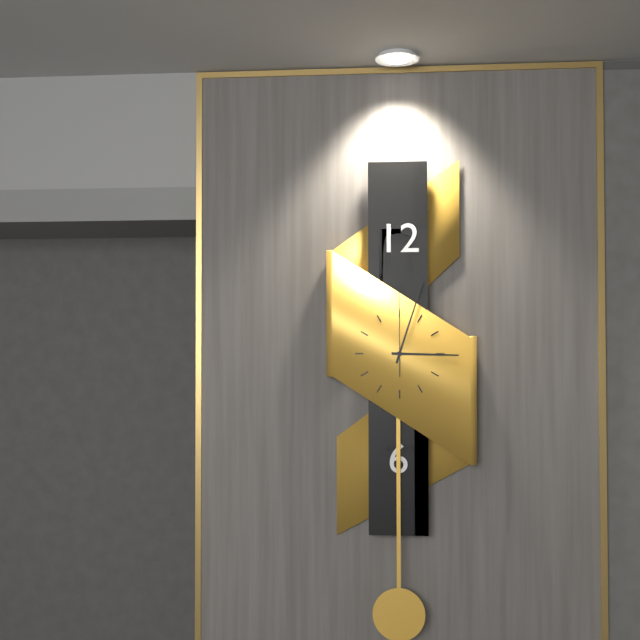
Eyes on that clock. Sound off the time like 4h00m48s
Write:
3h03m00s
